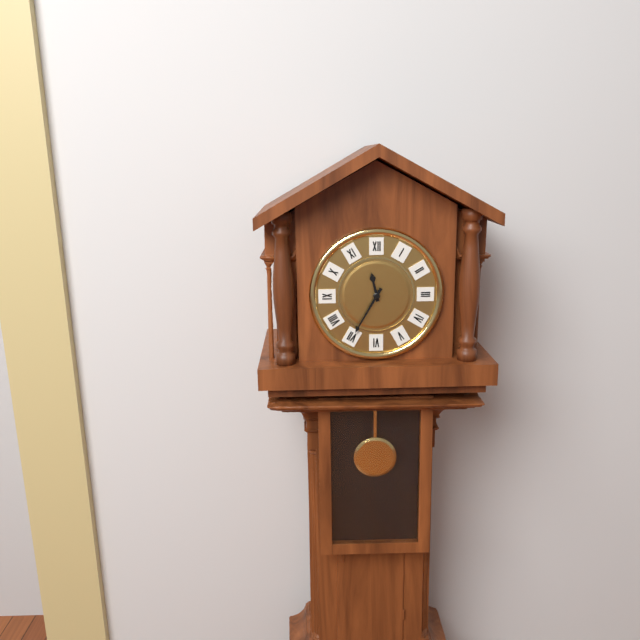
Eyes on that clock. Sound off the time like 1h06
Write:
11h35
